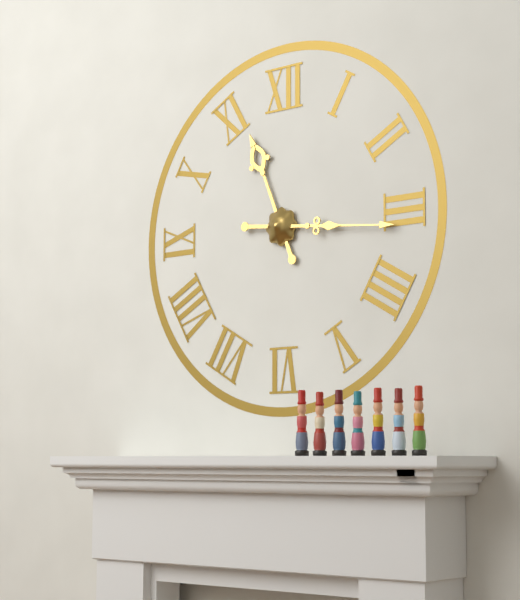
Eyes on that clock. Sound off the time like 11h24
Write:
11h16
